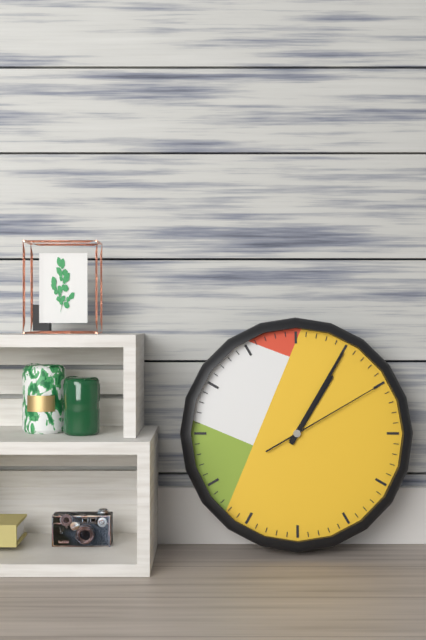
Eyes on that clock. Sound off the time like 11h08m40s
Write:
1h05m10s
